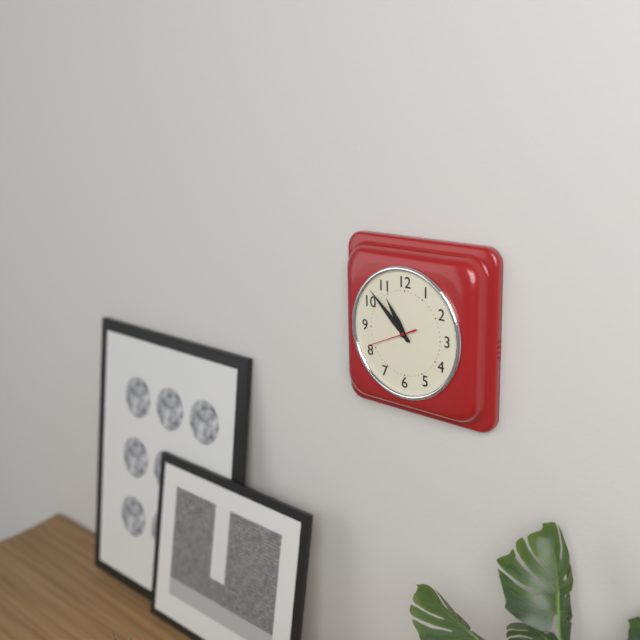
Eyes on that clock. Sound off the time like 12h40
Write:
10h52
